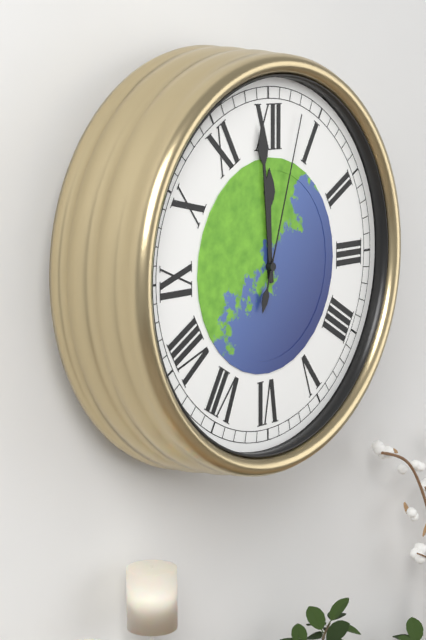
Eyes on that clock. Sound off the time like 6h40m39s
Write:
11h59m03s
